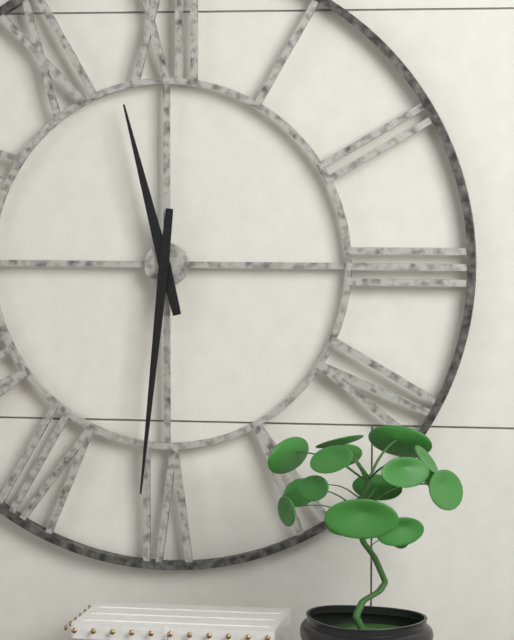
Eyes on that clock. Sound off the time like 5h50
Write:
11h31
